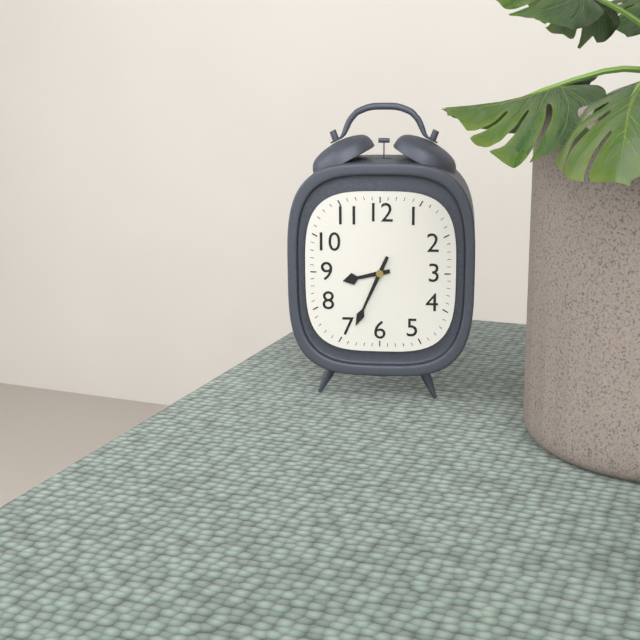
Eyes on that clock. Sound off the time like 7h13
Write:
8h34
